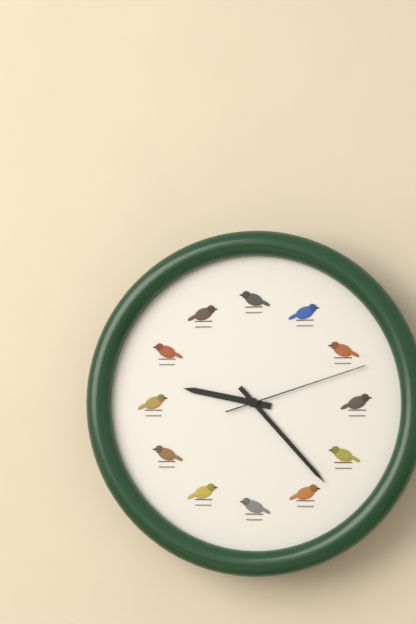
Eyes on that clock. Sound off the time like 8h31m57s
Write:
9h23m12s
